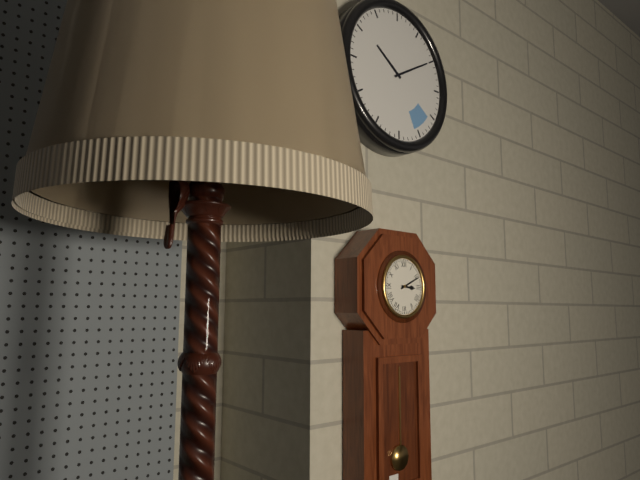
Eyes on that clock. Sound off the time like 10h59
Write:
3h11
